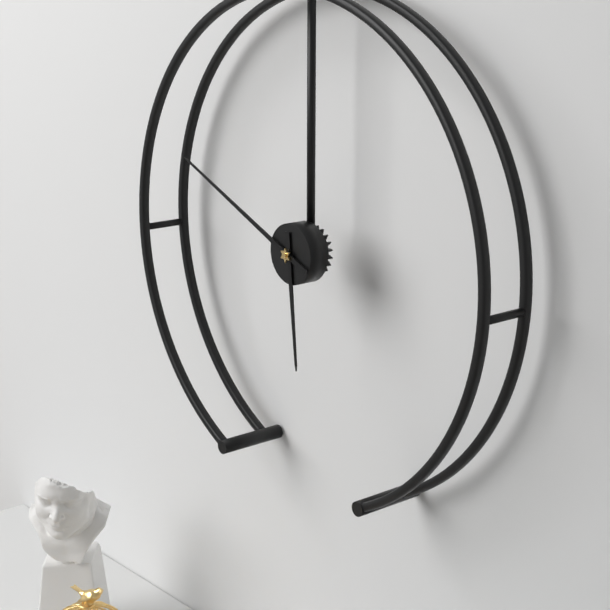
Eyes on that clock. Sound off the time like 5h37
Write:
5h49
